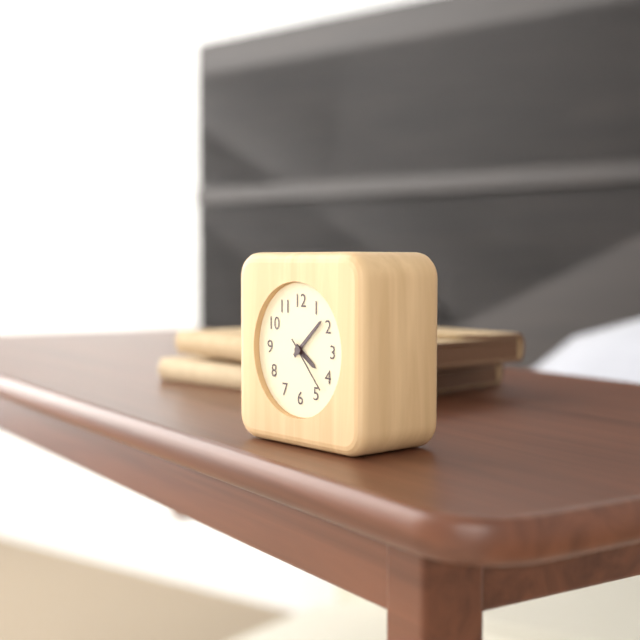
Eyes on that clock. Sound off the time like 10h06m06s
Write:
4h08m23s
